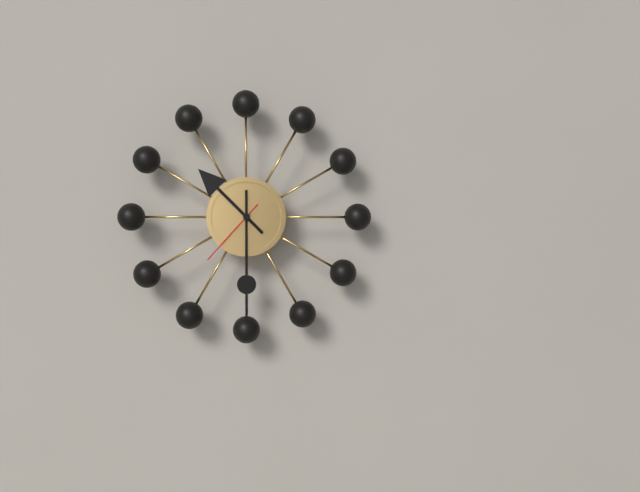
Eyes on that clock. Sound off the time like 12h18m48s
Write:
10h30m37s
